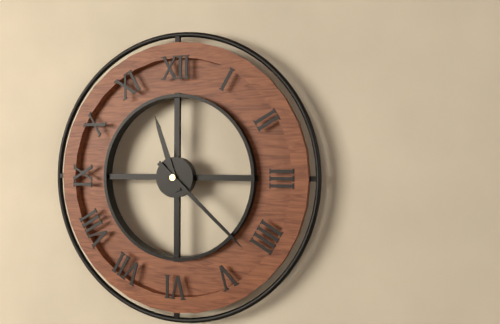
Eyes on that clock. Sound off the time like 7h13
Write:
11h22
